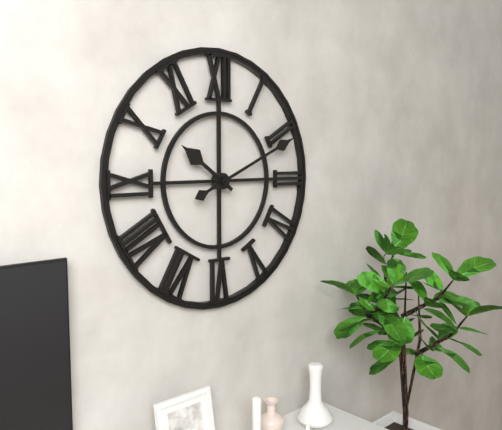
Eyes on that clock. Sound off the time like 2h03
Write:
10h11
